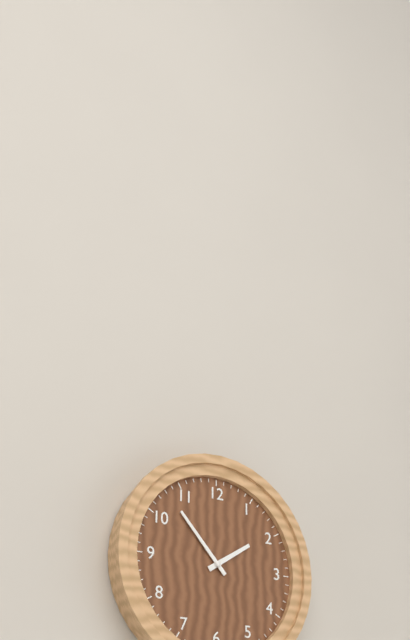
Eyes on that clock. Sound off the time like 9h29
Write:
1h53
